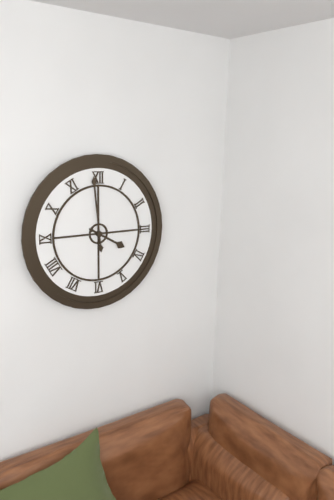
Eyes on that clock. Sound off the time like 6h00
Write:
3h59
